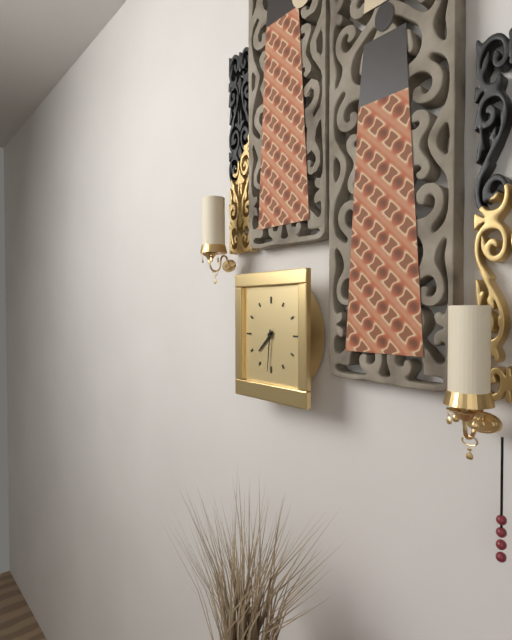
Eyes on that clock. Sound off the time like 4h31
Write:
7h31
